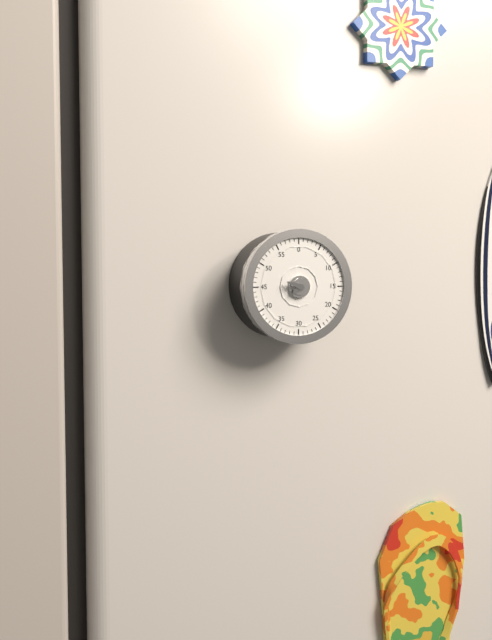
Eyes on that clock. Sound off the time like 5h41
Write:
7h48
